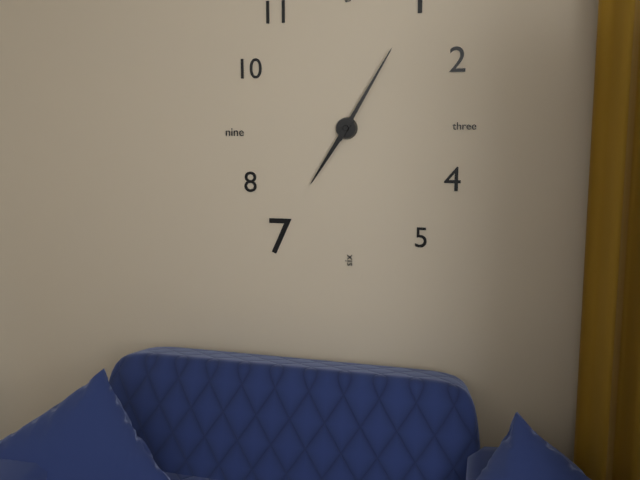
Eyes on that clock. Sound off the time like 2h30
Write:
7h05
